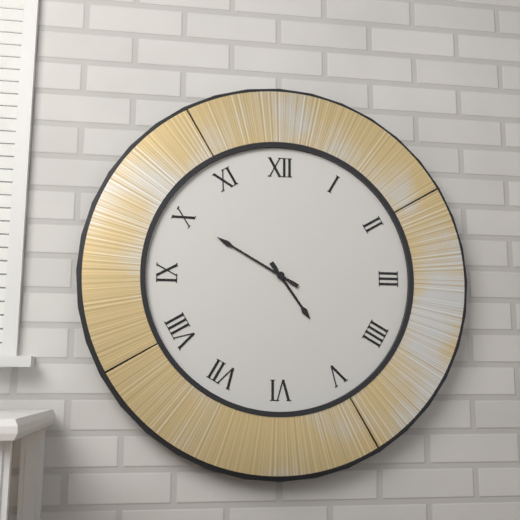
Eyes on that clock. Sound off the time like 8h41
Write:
4h50
